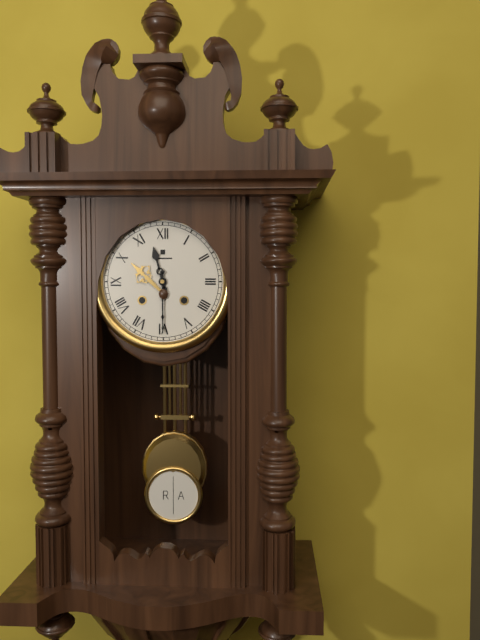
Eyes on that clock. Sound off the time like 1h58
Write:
11h30
